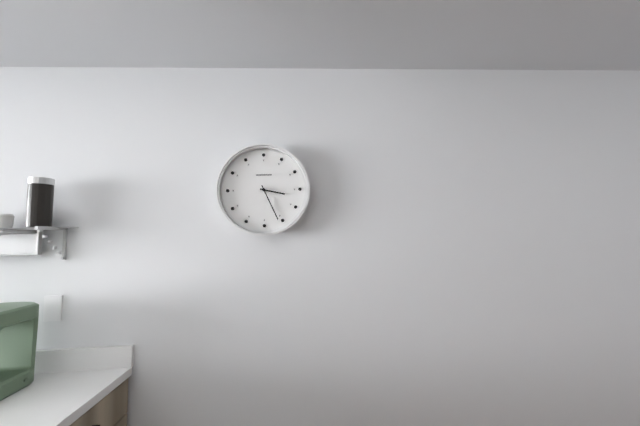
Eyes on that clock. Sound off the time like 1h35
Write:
3h26
